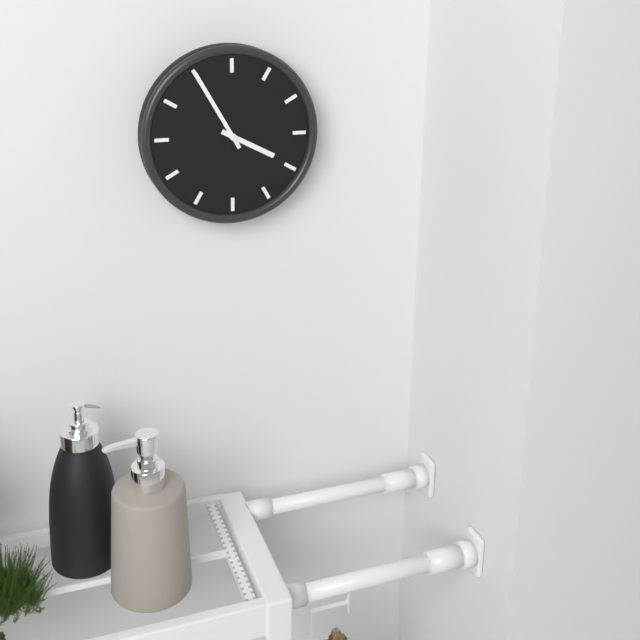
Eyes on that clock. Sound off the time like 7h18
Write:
3h55
